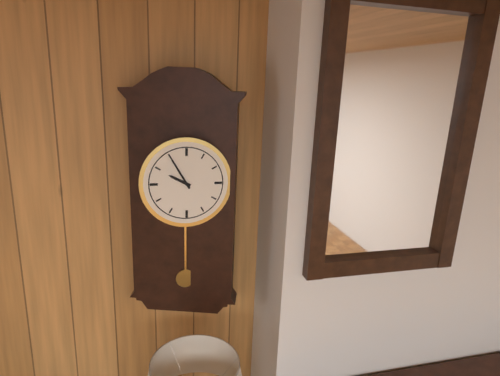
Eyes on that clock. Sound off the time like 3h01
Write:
9h55
